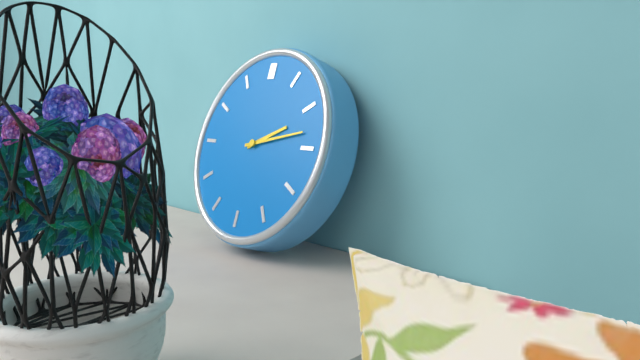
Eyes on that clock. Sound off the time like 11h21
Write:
2h13
